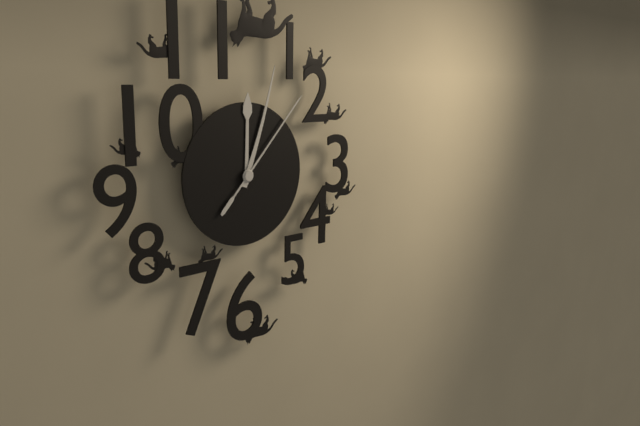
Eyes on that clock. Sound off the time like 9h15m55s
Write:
12h03m07s
